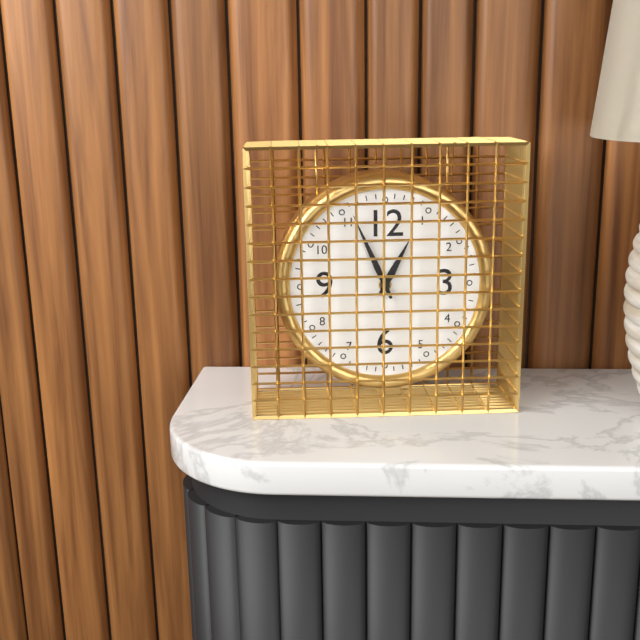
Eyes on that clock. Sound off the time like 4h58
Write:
12h56
